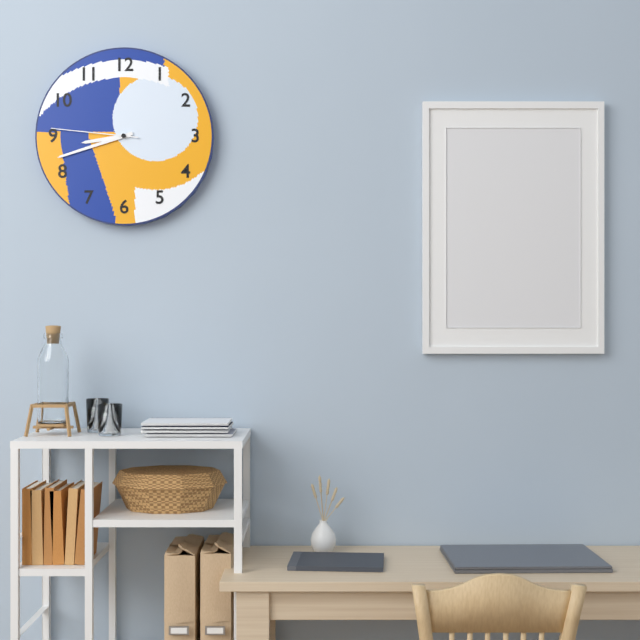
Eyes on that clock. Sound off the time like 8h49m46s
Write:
8h42m46s
